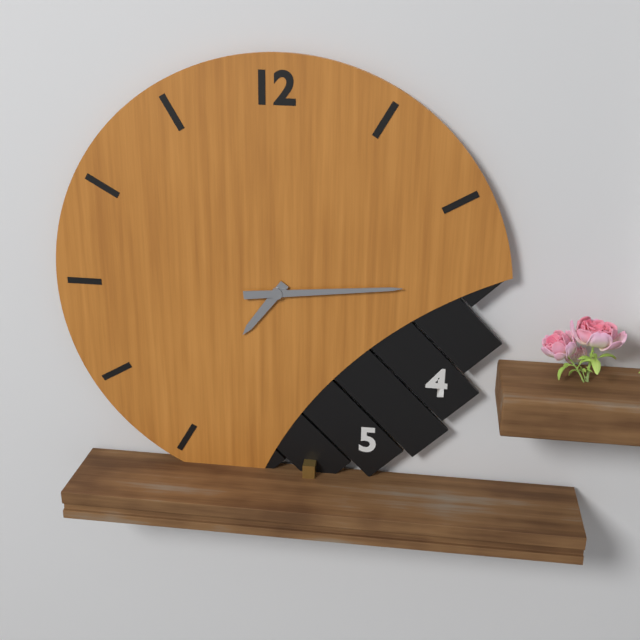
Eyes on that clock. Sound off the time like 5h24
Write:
7h14
